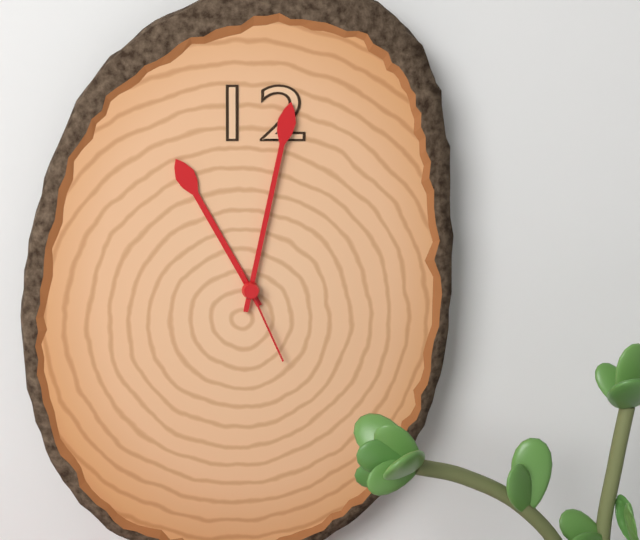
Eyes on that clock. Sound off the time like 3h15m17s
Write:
11h02m26s
